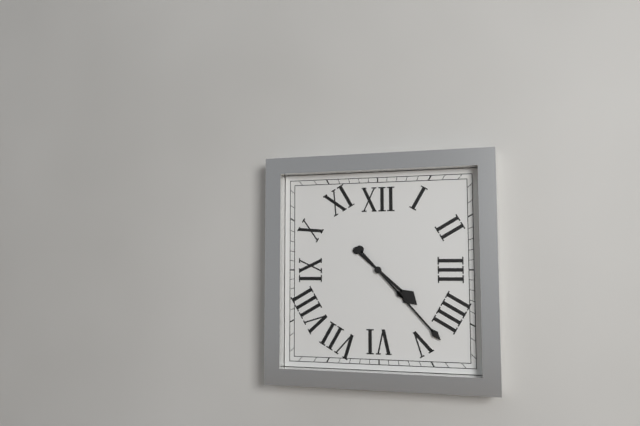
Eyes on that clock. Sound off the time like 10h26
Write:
4h23
